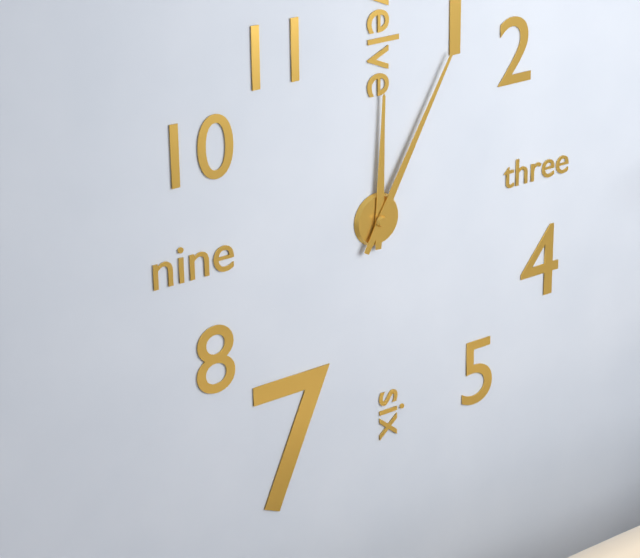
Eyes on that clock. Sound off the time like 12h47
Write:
12h05
